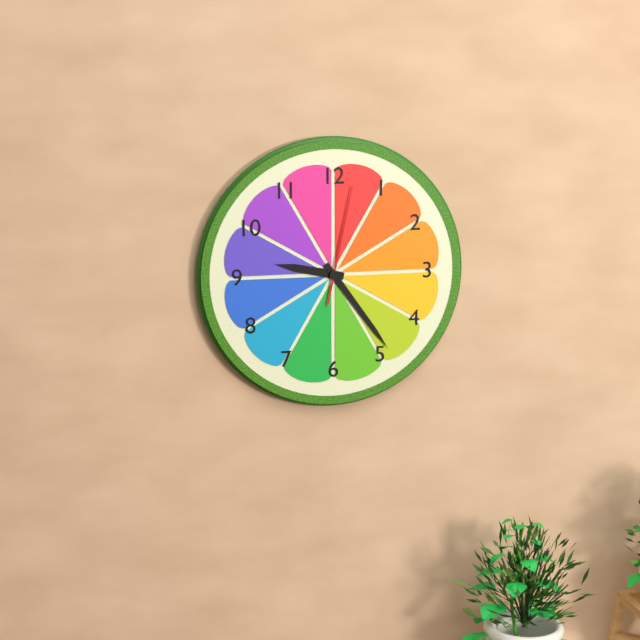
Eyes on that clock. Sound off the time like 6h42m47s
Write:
9h24m02s
